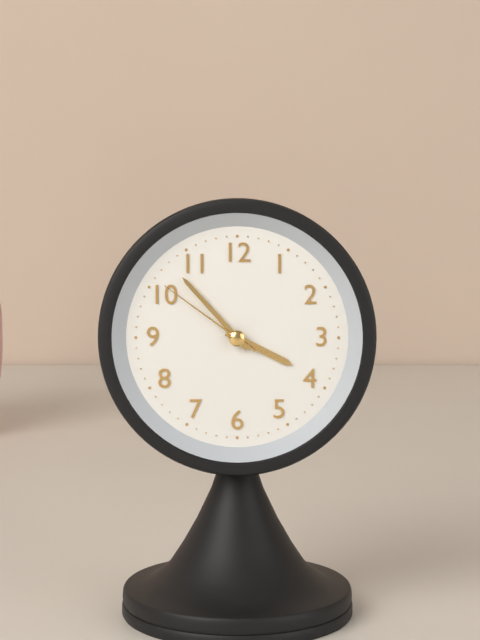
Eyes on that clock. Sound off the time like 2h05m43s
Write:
3h53m51s
